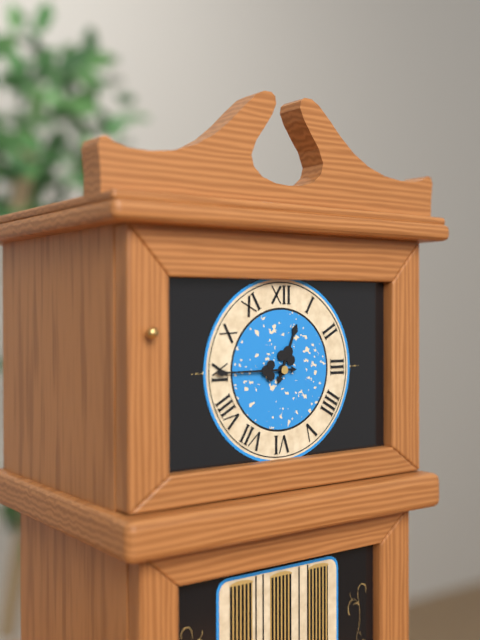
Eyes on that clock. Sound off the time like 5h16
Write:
12h45
